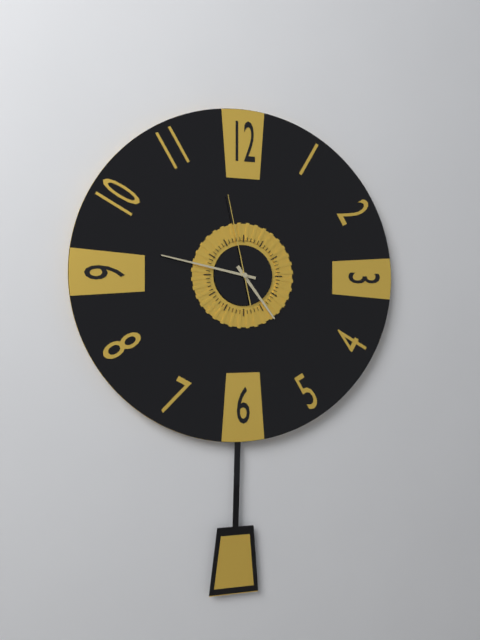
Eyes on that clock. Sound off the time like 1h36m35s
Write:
4h47m58s
